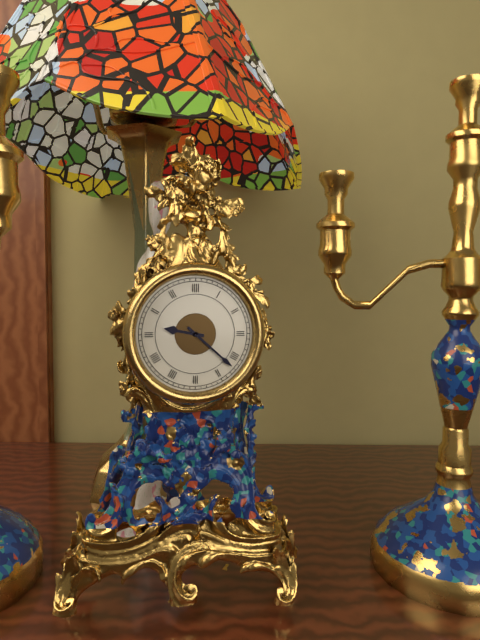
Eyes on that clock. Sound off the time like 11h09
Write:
9h22
